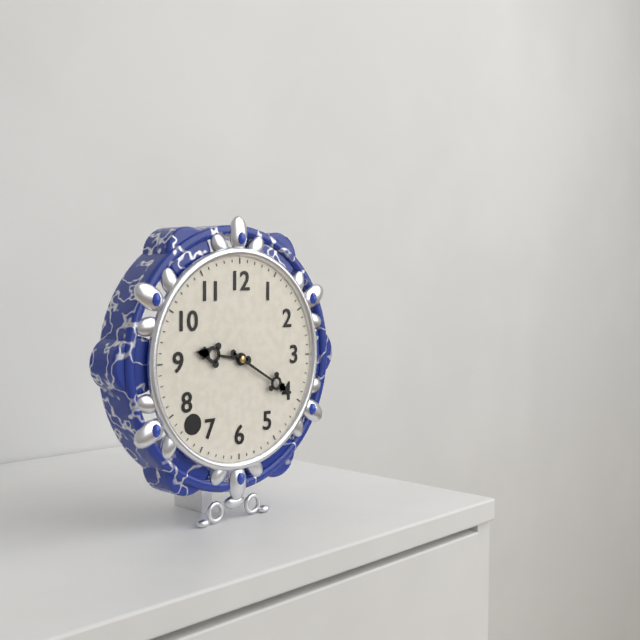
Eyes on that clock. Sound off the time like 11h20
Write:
9h20
